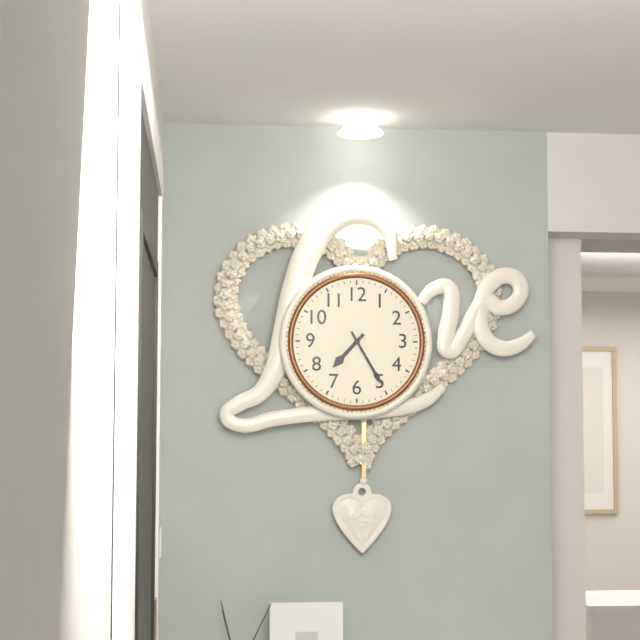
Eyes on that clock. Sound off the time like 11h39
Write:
7h25
